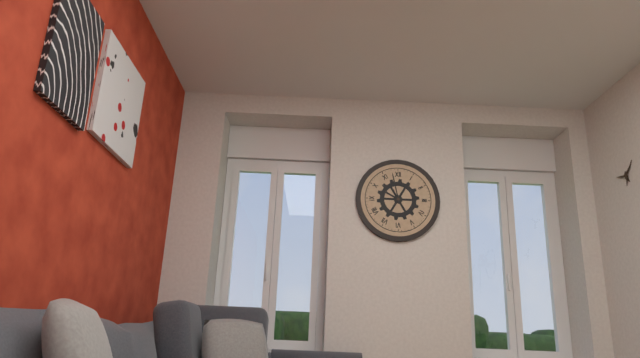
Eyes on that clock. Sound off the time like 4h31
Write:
9h58
